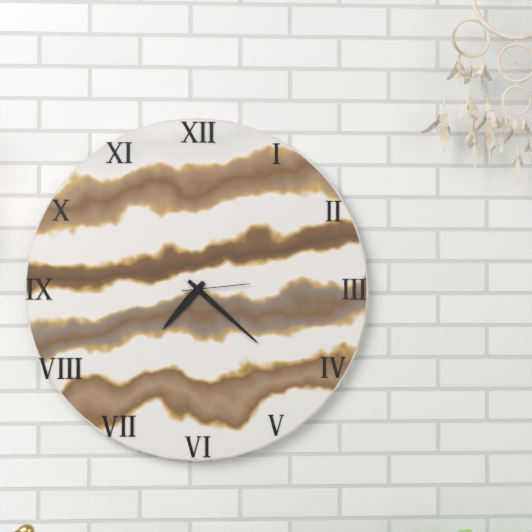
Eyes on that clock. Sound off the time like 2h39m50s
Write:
7h22m14s
